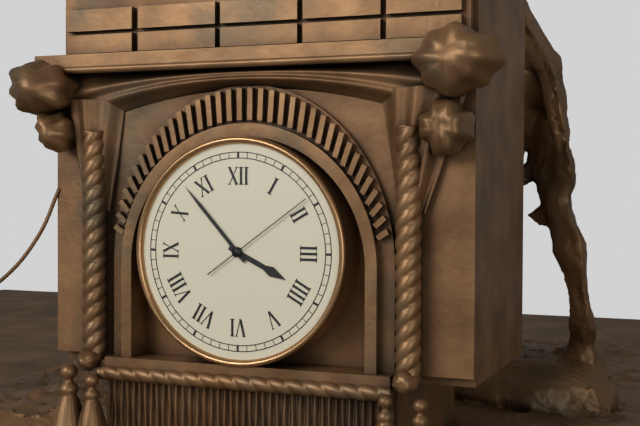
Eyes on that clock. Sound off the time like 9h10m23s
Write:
3h53m09s
